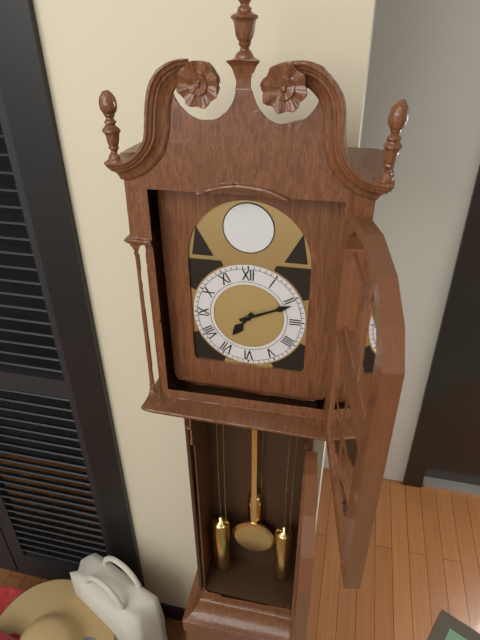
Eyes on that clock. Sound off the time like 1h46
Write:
7h11
